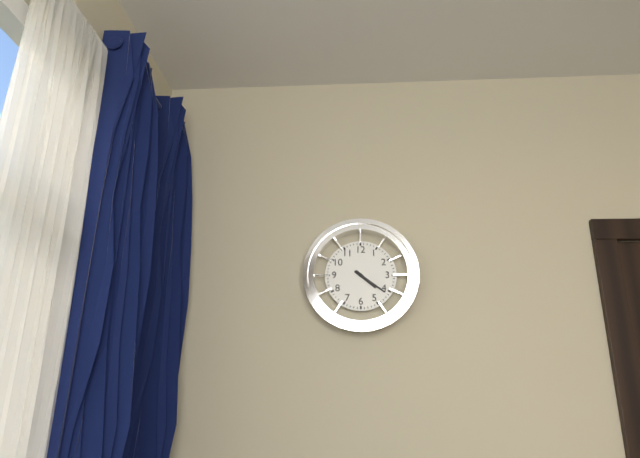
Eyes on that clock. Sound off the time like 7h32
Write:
4h21
